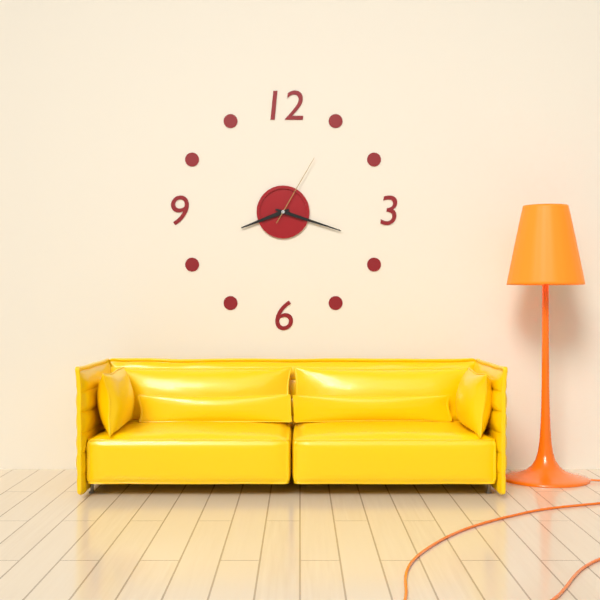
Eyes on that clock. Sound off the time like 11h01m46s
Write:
8h18m05s
